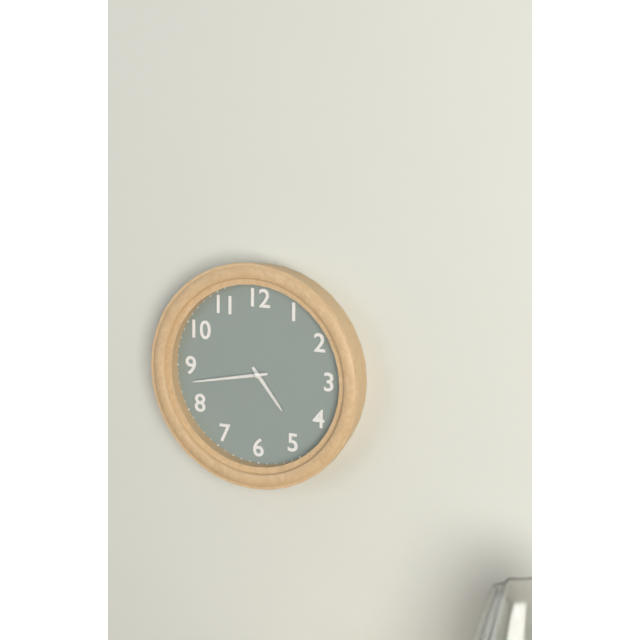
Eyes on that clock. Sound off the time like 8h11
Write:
4h43
